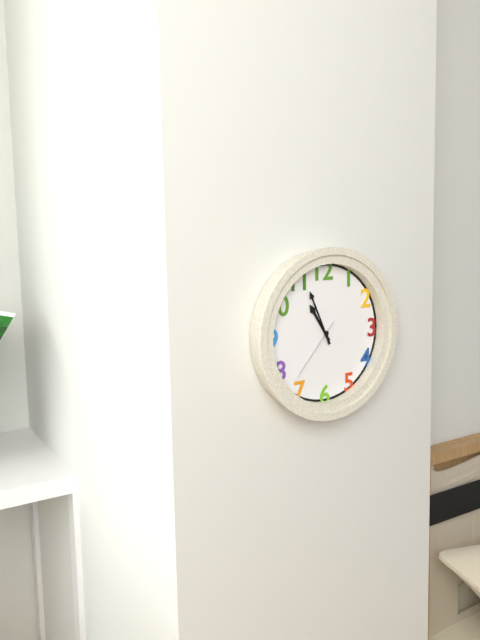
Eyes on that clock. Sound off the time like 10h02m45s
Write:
10h56m37s
